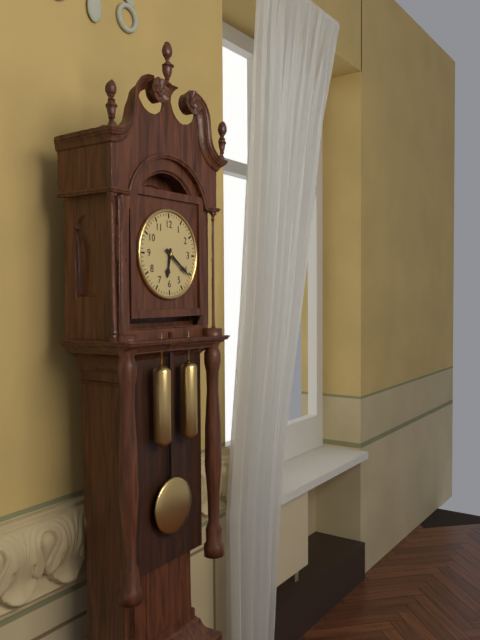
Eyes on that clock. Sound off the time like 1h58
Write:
6h21
